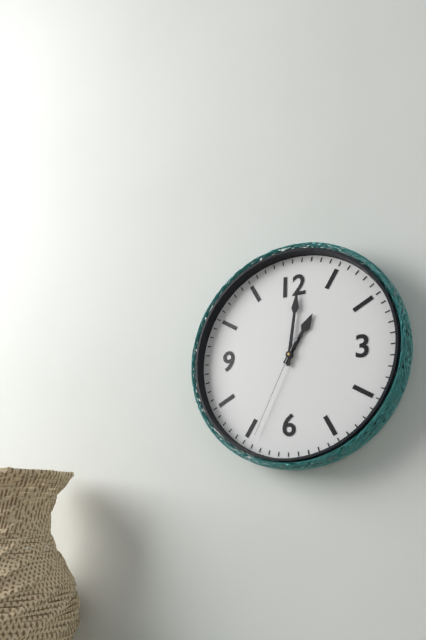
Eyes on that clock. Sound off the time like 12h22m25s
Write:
1h01m34s
